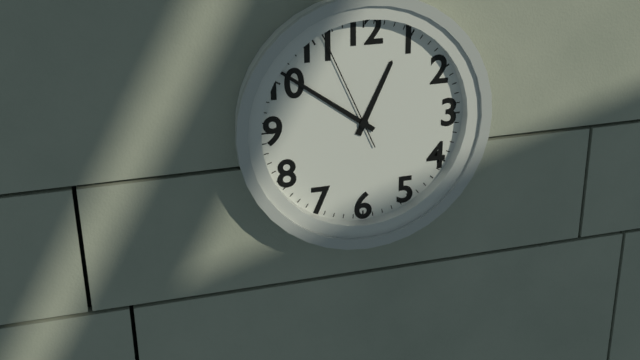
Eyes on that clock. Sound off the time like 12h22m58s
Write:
12h51m56s
